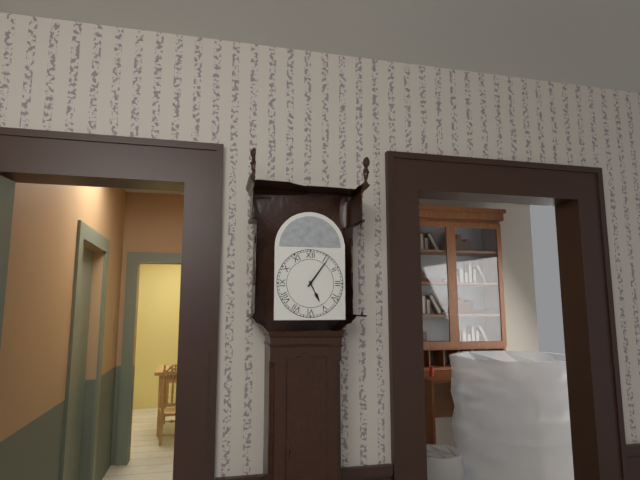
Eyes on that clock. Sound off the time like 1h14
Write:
5h06
